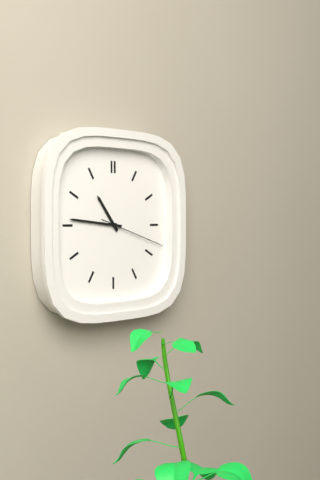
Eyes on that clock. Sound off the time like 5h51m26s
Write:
10h46m18s
